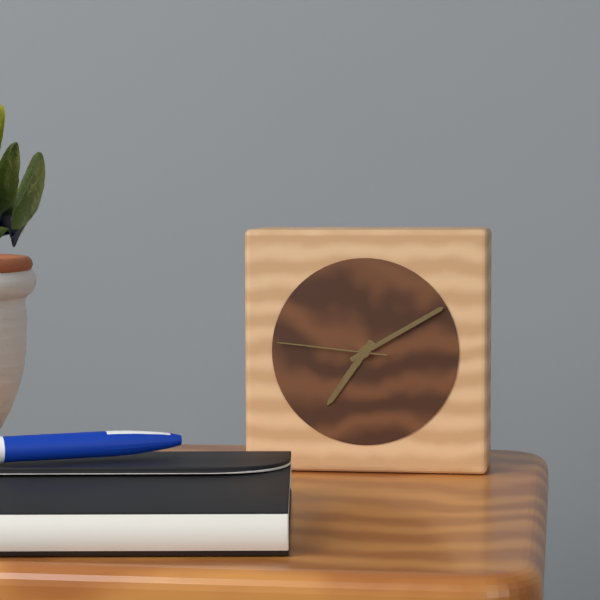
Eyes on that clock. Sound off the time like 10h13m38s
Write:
7h10m46s
